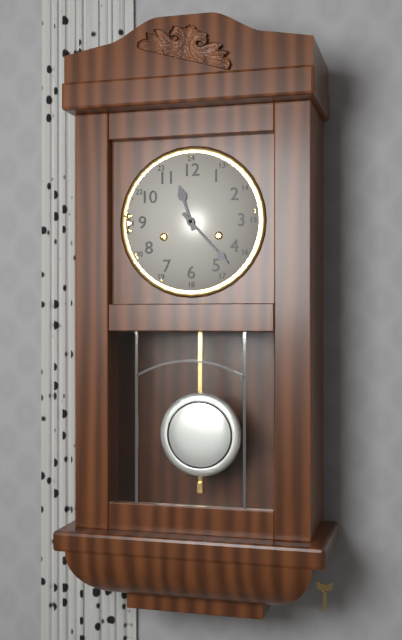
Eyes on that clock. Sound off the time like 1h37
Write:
11h23
